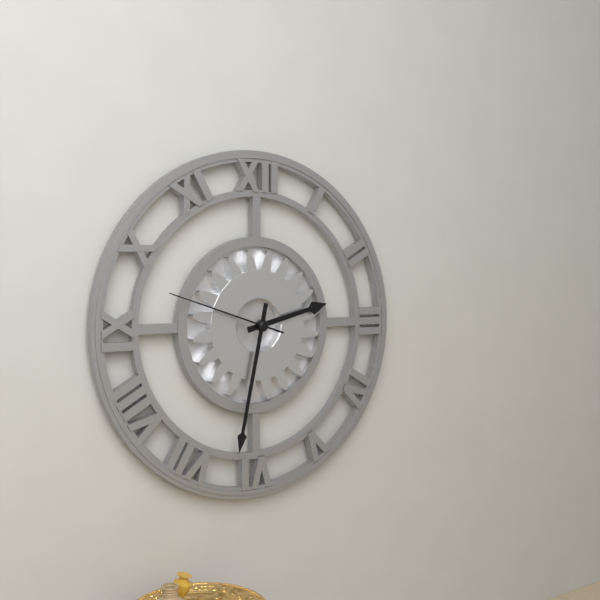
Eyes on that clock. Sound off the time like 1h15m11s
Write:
2h32m48s
